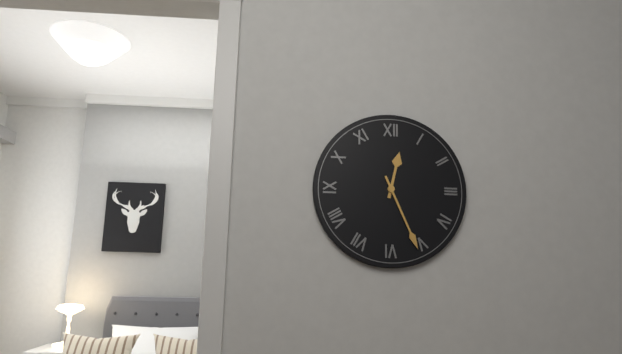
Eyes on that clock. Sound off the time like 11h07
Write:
12h26
